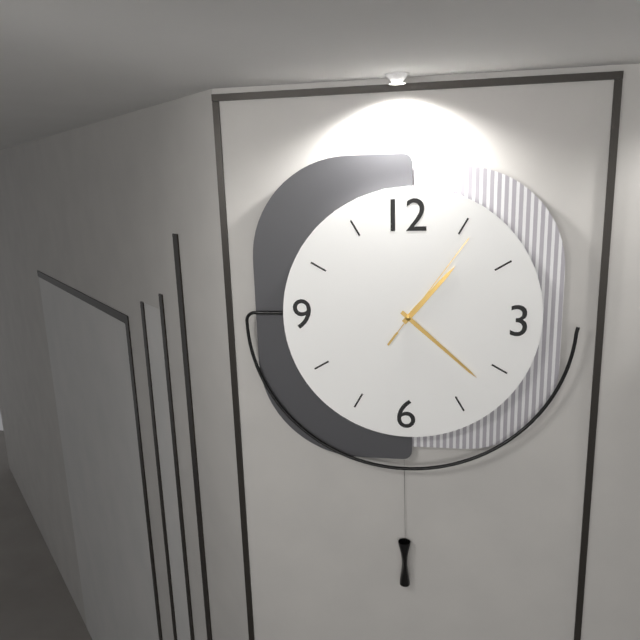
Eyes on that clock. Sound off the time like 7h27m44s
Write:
1h22m06s
